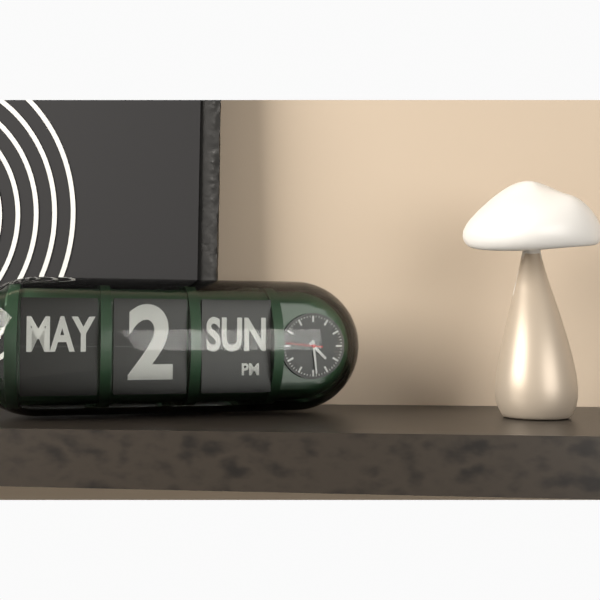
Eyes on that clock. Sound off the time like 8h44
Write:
4h29
